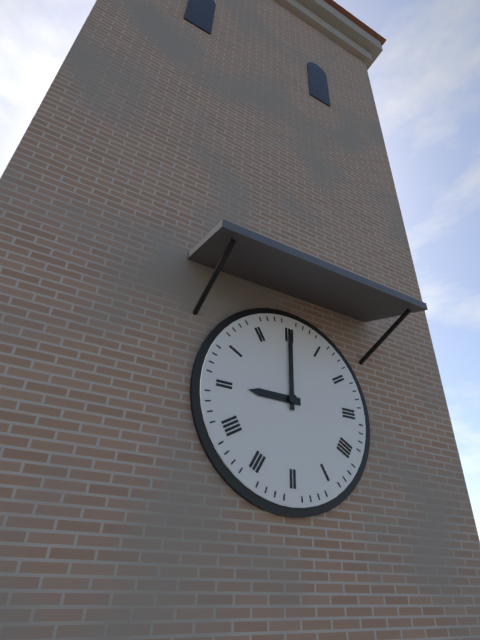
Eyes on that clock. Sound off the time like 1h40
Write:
9h00
